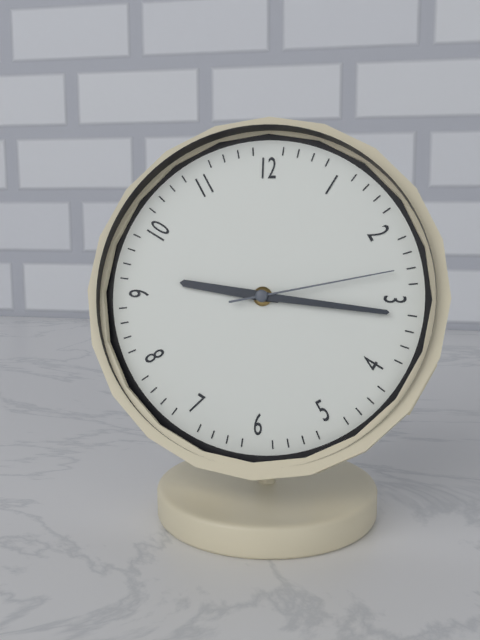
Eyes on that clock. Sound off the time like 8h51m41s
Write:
9h16m13s
